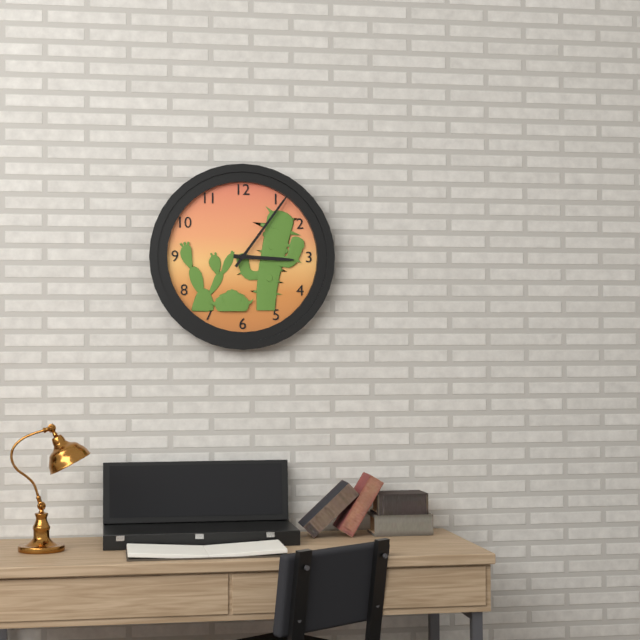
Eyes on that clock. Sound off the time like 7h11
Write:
3h06
